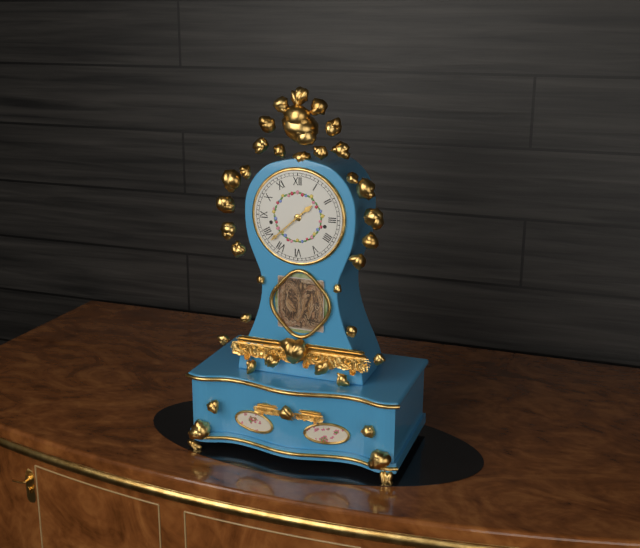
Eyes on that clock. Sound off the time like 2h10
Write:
1h38
